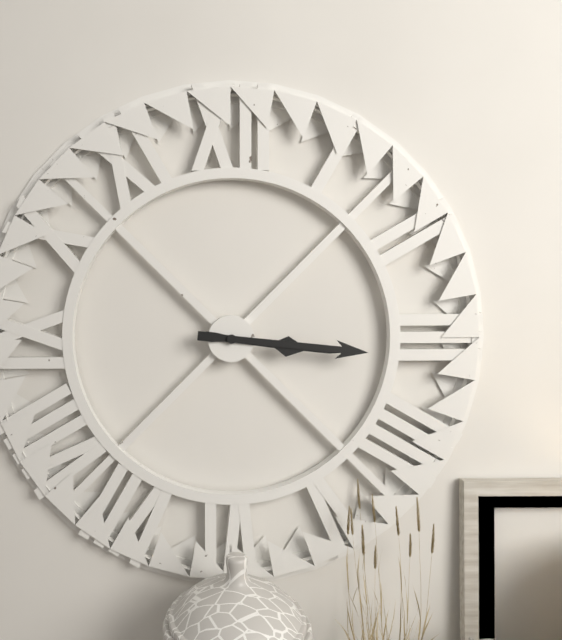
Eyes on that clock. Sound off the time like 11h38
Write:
3h16
